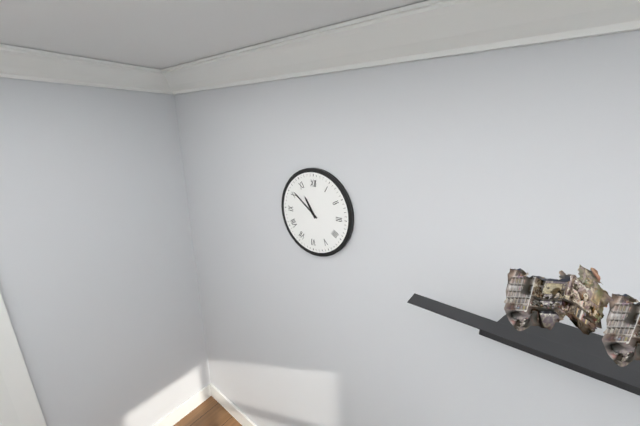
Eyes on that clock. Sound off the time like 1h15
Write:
10h51
